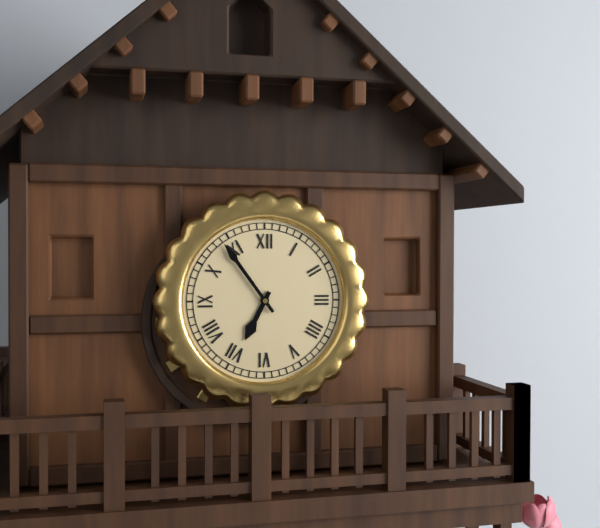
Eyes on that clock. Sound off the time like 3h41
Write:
6h54
